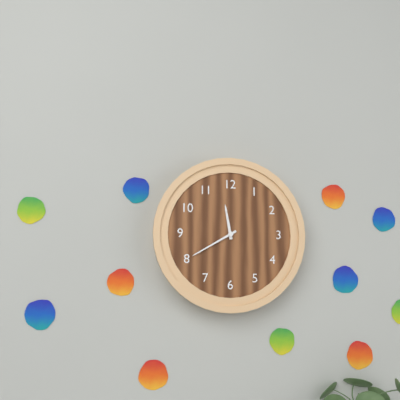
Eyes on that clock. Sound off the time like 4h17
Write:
11h40
